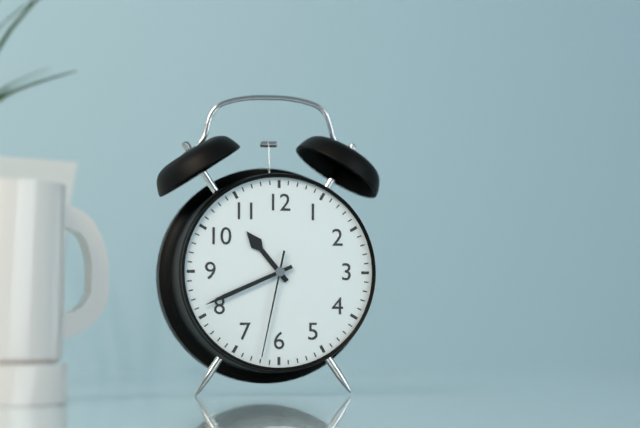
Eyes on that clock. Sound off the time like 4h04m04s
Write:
10h41m32s
